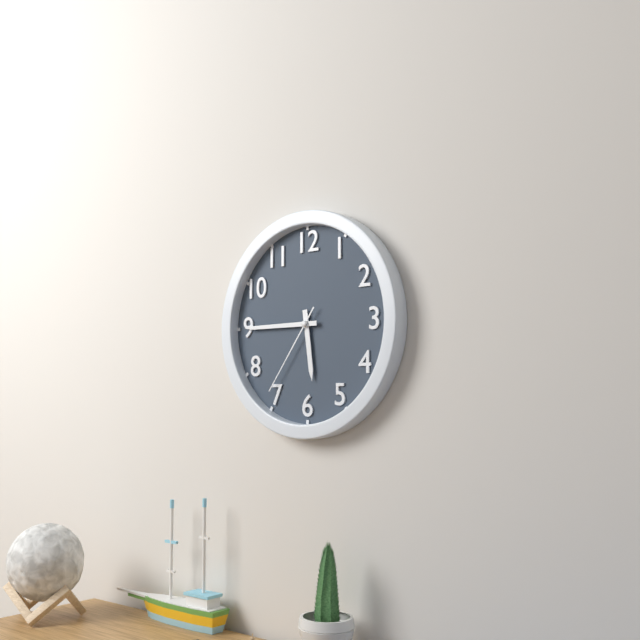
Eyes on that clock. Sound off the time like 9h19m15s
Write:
5h45m36s
